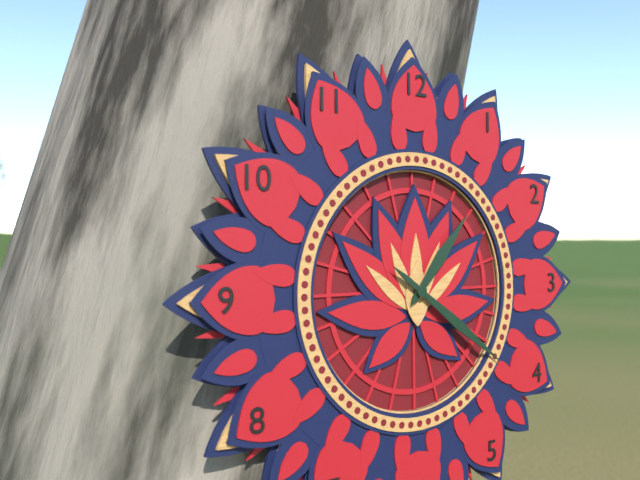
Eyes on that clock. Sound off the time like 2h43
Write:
1h21
